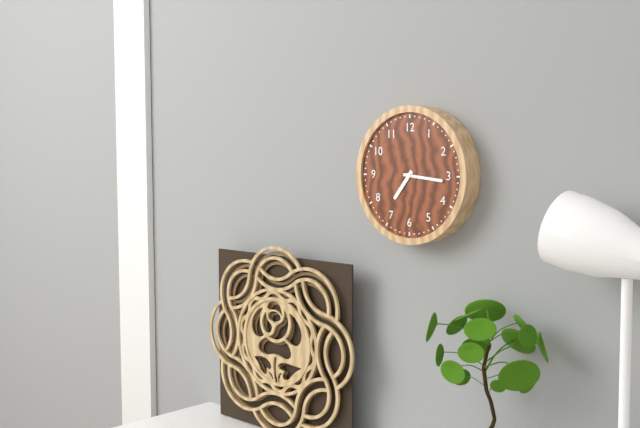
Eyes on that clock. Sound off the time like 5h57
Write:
7h16
